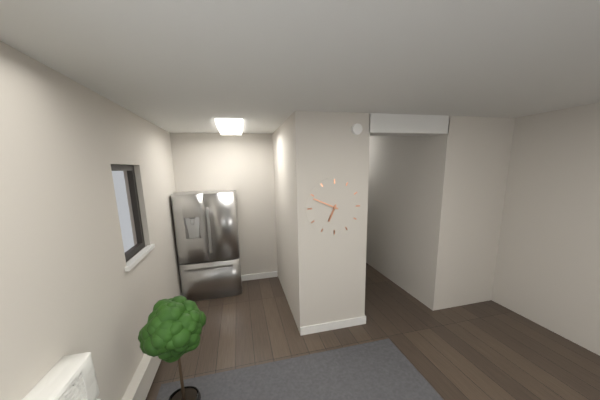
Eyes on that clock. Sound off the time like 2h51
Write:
6h49
